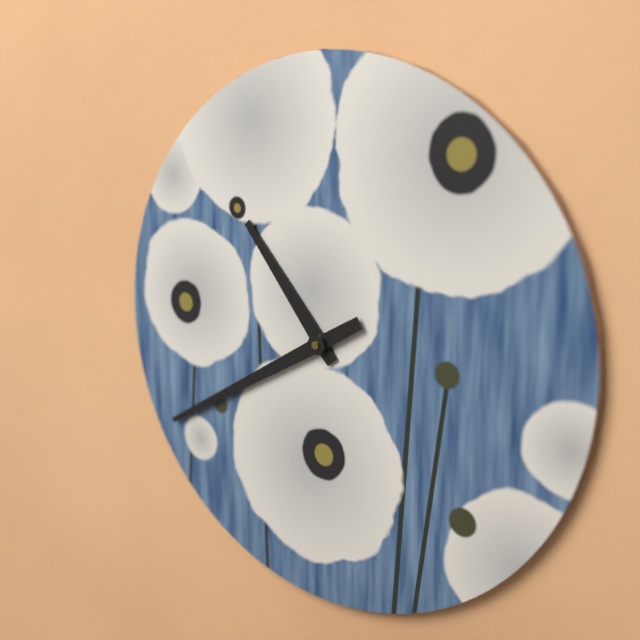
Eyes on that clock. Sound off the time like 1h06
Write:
10h40
